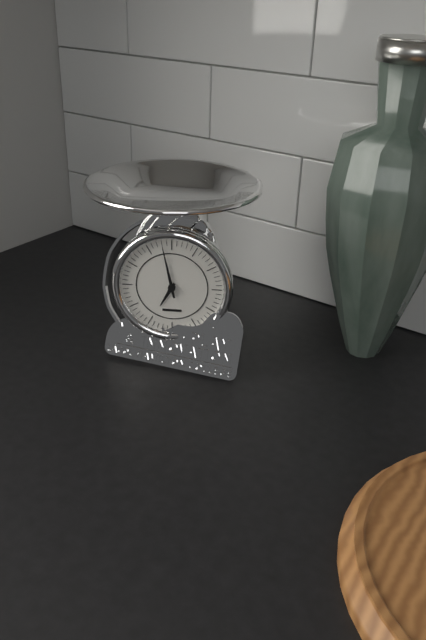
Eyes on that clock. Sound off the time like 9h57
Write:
6h58
